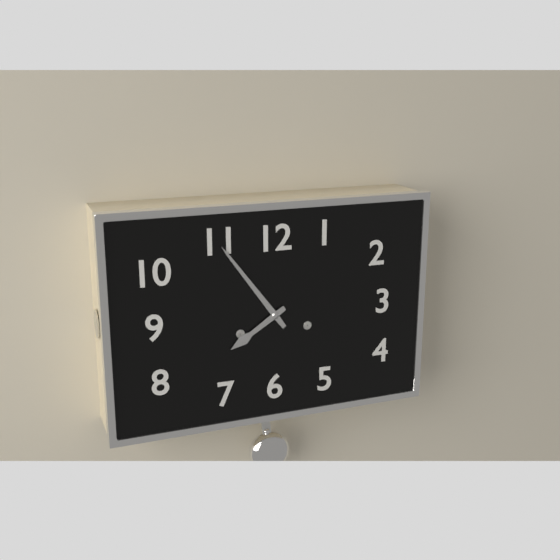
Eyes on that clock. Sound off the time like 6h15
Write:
7h54
